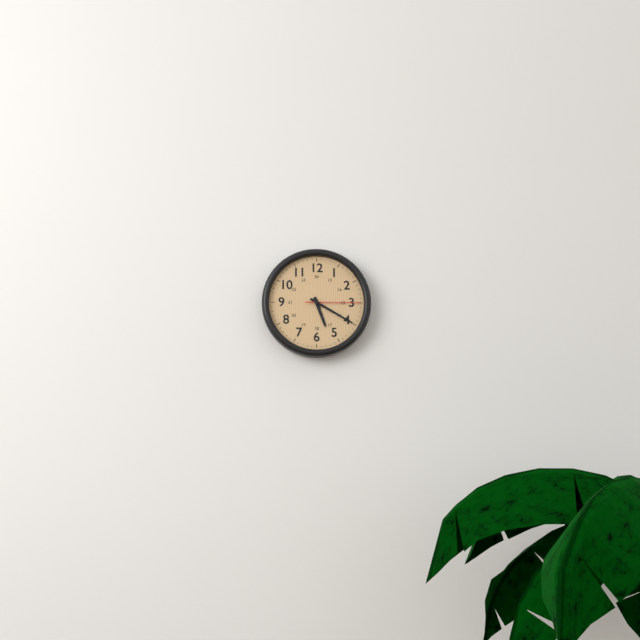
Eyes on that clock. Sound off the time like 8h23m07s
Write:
5h20m15s
